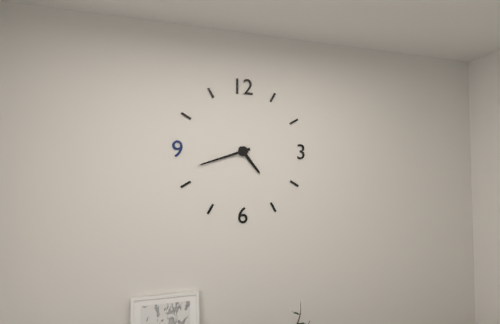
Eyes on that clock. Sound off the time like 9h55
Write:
4h42
